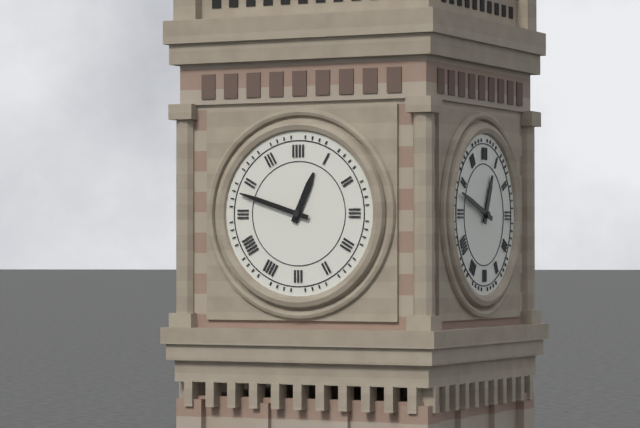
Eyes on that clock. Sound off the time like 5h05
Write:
12h48
